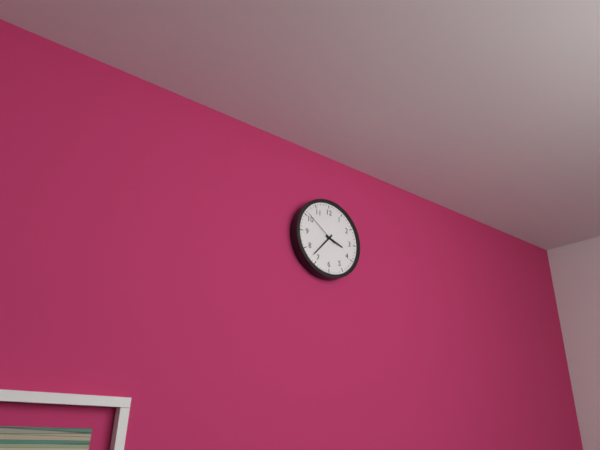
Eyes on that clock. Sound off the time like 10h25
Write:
3h37
